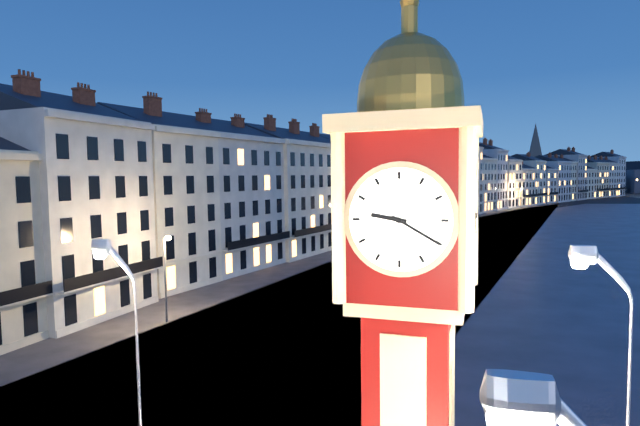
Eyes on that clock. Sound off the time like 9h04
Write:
9h20
